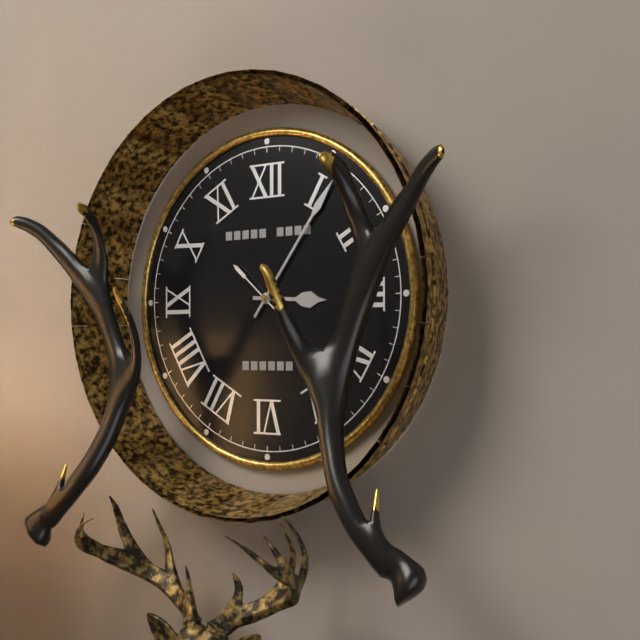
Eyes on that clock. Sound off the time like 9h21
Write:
3h06
